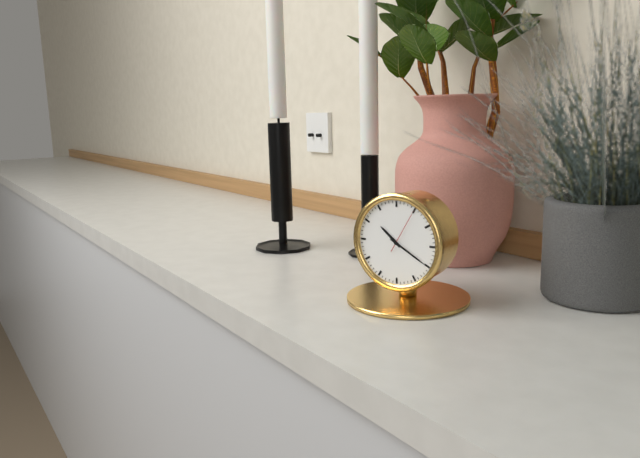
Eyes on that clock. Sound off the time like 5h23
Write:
10h20
